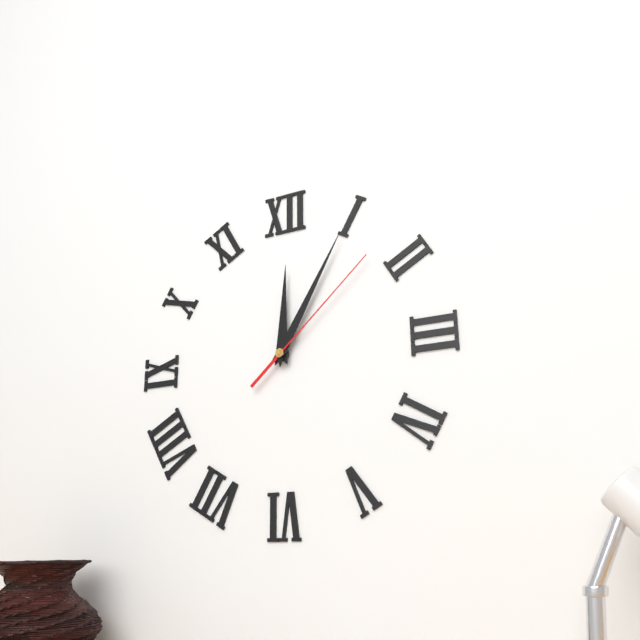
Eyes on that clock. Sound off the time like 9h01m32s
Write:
12h05m08s
